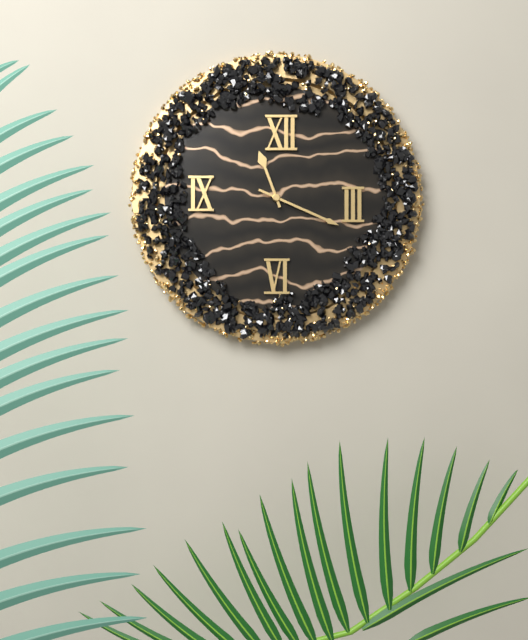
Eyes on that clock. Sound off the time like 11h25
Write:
11h19
